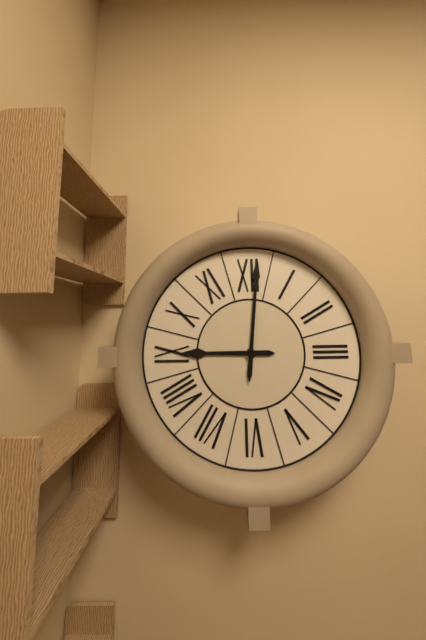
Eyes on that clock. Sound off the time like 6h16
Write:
9h01
